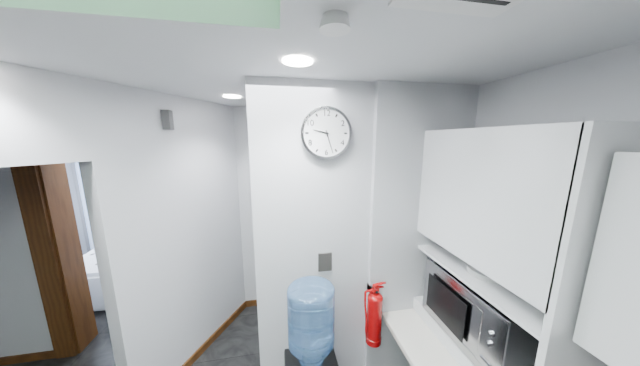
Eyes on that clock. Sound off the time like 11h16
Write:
9h27
